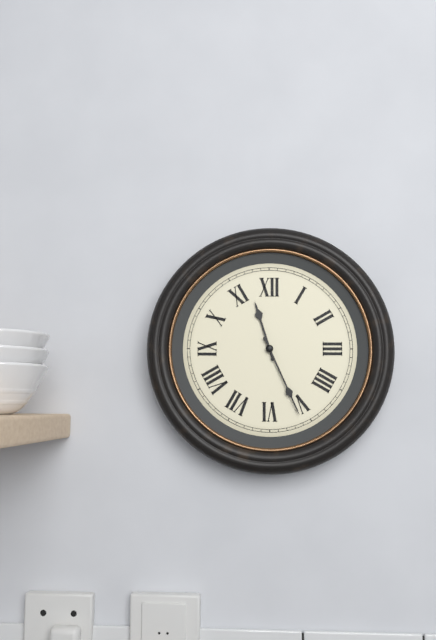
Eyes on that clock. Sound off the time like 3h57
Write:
11h26
